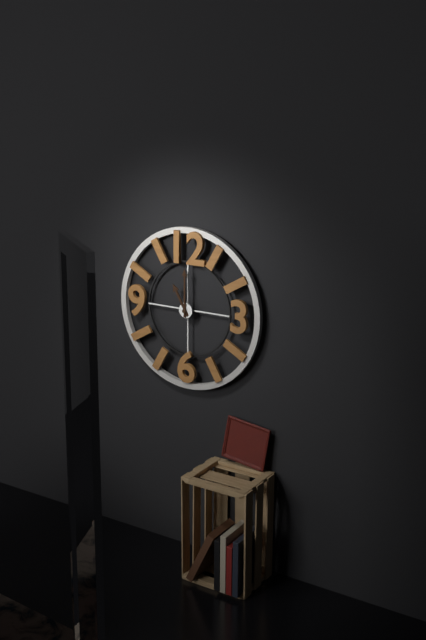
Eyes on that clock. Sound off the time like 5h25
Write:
11h00
